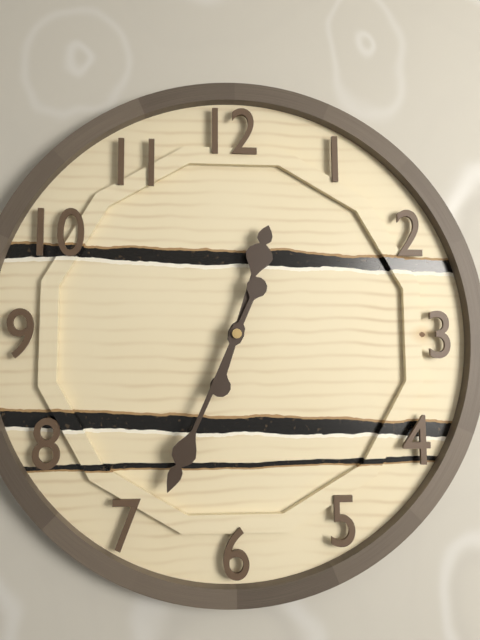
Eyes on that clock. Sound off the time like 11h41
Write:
12h34
